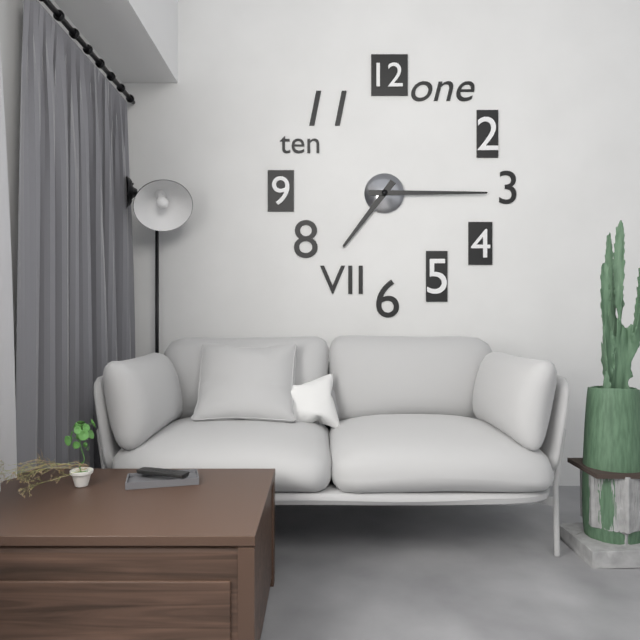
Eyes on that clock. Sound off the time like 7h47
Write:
7h15
